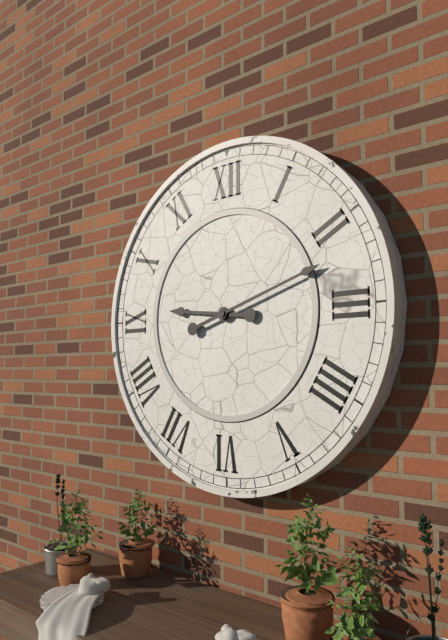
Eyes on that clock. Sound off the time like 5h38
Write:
9h12
